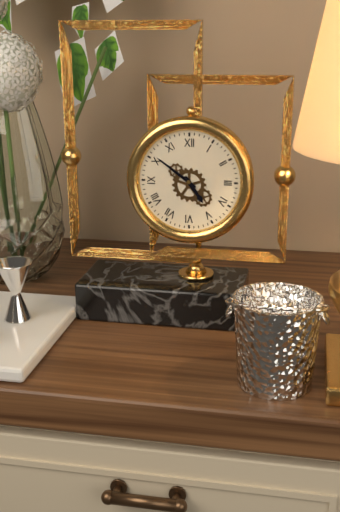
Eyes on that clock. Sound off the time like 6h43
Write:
4h51
